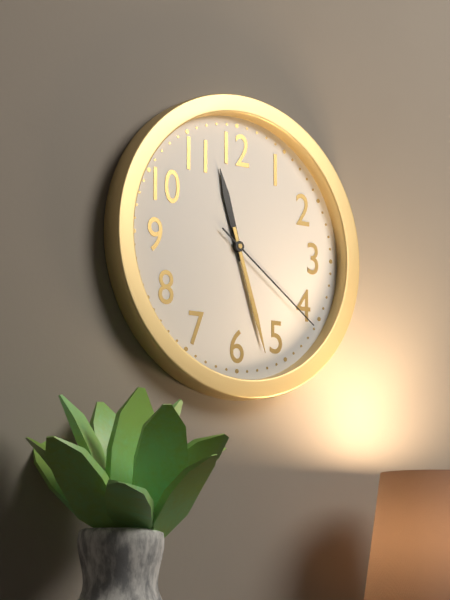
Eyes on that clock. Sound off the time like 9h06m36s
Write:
11h27m21s
